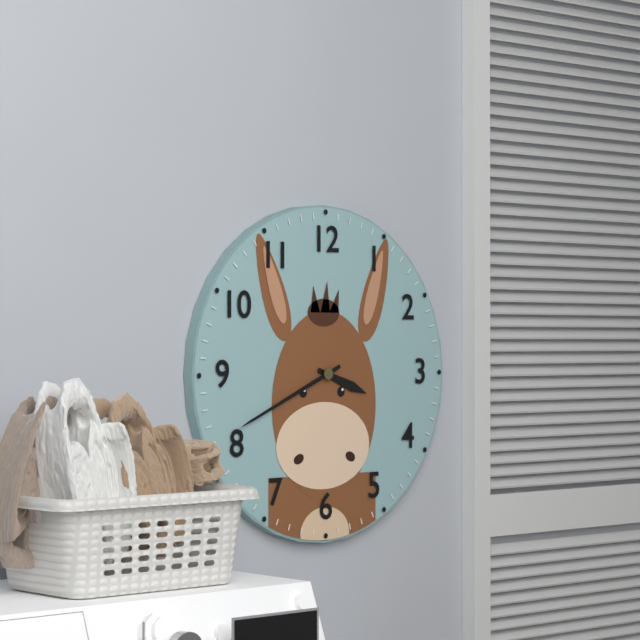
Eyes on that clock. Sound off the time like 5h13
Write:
3h41
